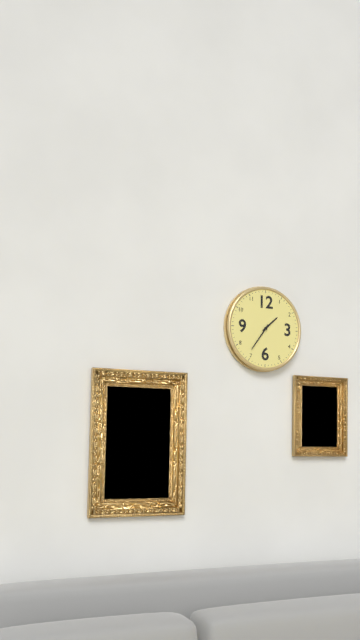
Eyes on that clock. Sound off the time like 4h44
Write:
1h36
